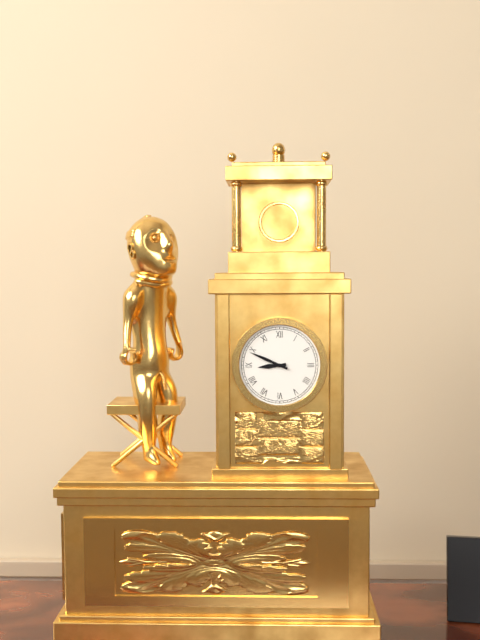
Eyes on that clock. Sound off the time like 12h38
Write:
8h49
